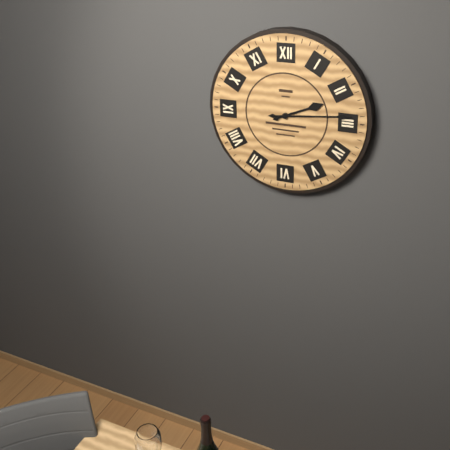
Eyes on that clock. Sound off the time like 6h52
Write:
2h14
